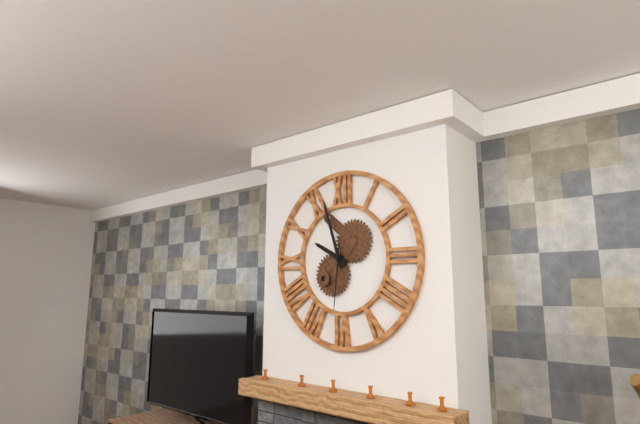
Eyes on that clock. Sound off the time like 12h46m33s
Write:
9h57m31s
